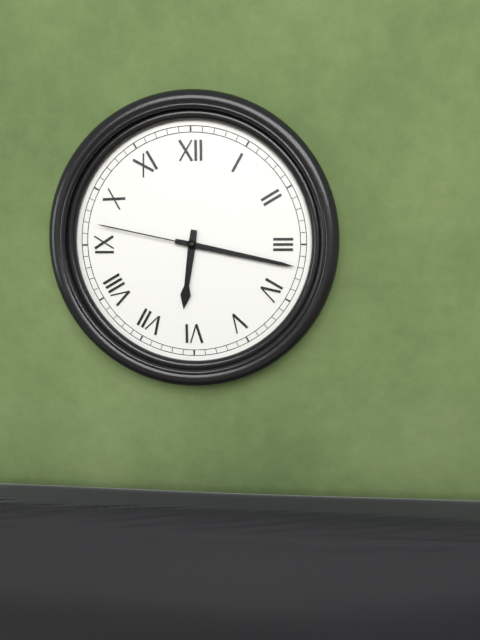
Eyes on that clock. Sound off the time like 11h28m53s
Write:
6h17m47s
